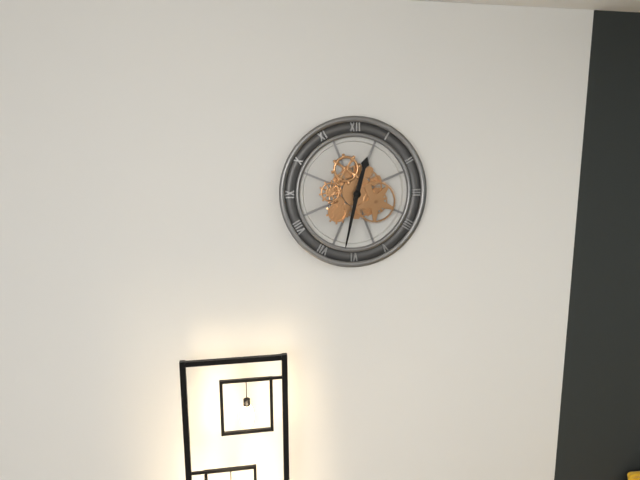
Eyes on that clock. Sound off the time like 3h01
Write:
12h32
